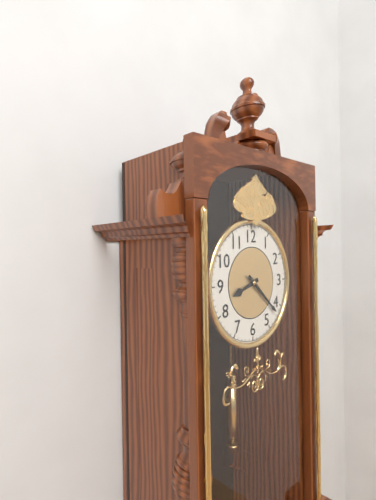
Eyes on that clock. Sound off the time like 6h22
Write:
8h22
